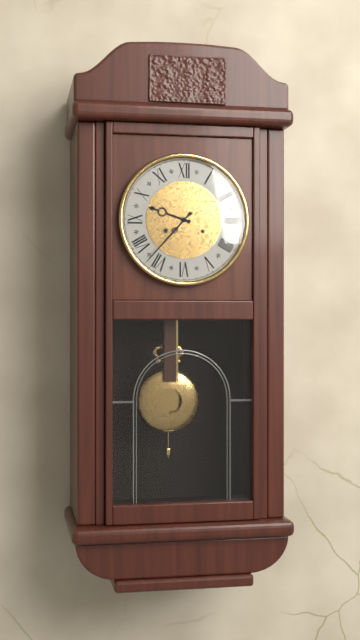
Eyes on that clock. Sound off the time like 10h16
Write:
9h37
